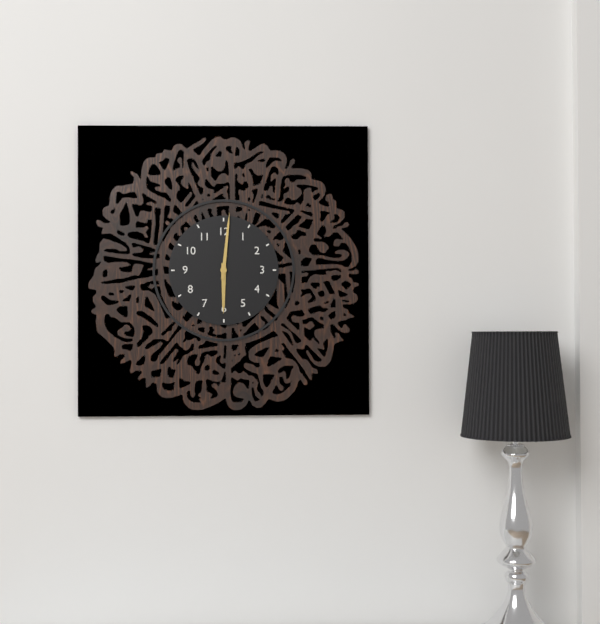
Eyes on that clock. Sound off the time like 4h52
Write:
6h01
